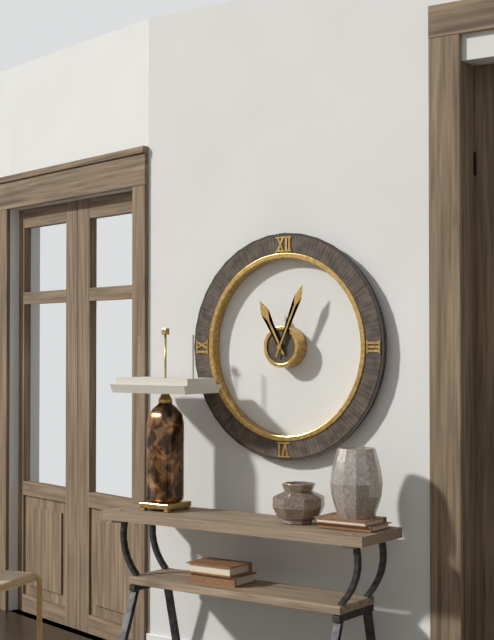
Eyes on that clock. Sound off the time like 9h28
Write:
11h04
